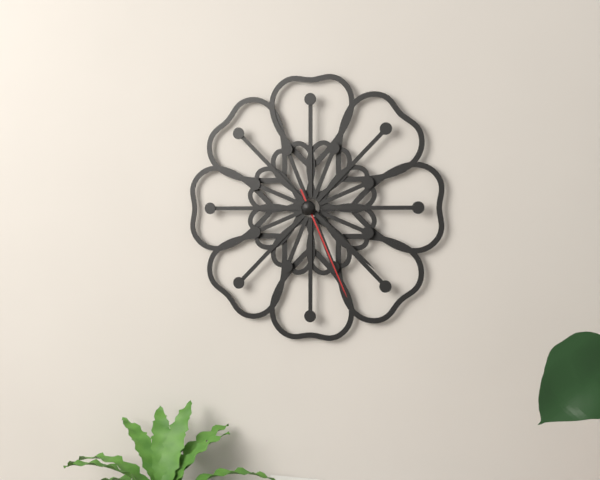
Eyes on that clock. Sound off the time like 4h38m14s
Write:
4h22m26s
